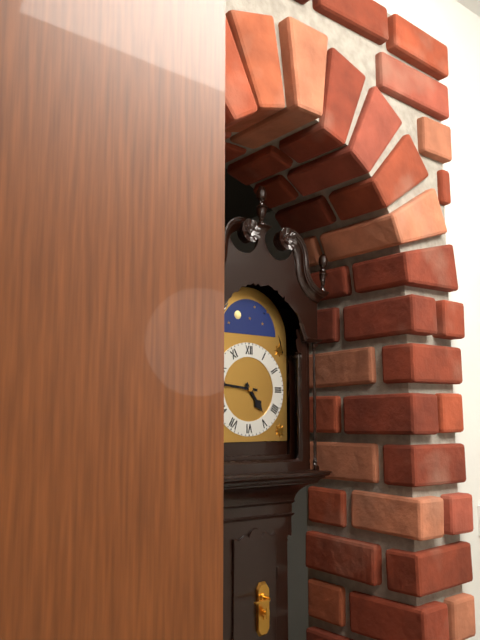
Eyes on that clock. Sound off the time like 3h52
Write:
4h46
